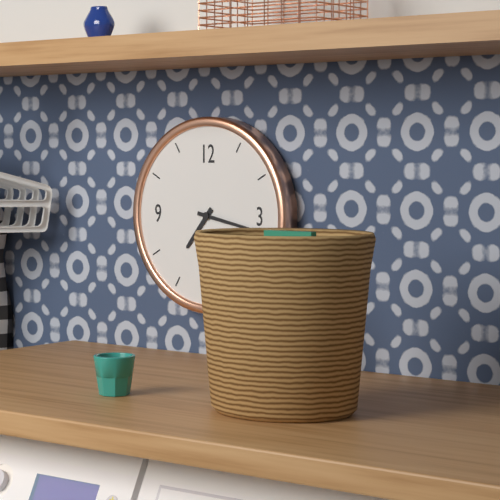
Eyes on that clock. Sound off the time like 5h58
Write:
7h17
